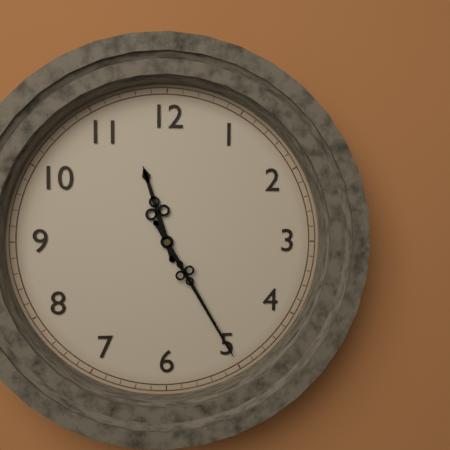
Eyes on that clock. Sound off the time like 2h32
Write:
11h25
